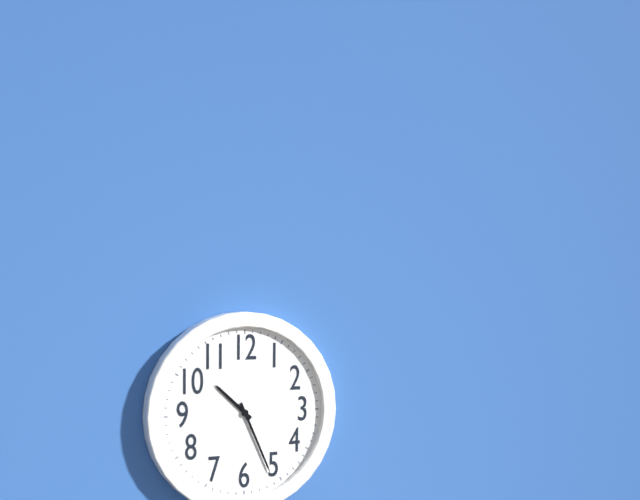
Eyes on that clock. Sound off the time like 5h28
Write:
10h26
